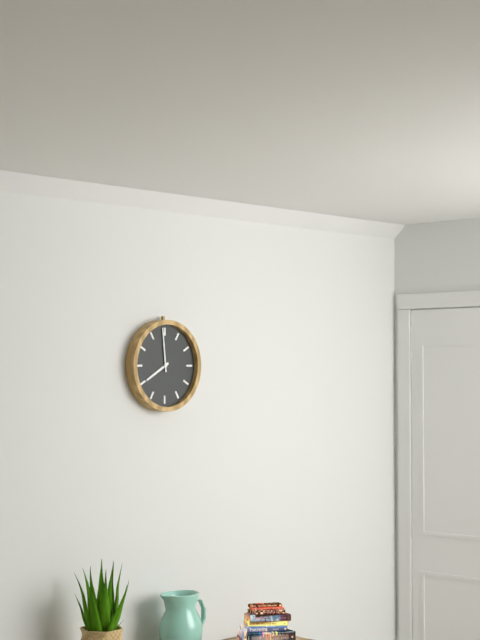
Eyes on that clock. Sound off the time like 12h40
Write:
7h59
